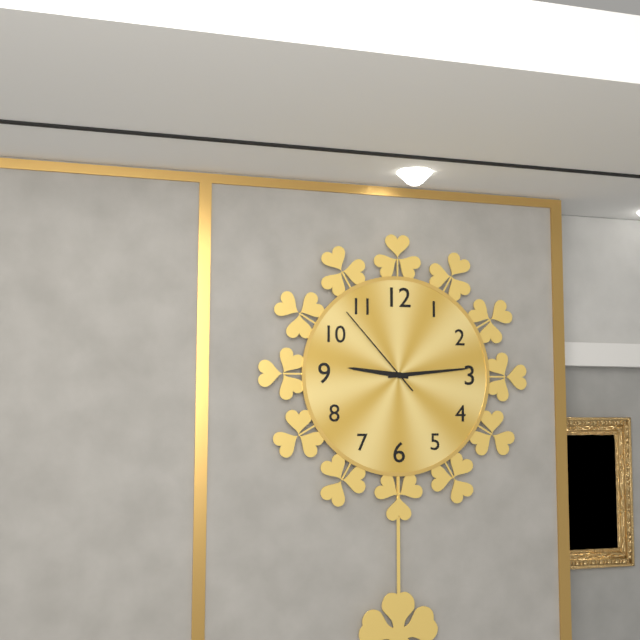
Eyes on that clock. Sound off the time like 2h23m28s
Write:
9h14m53s
